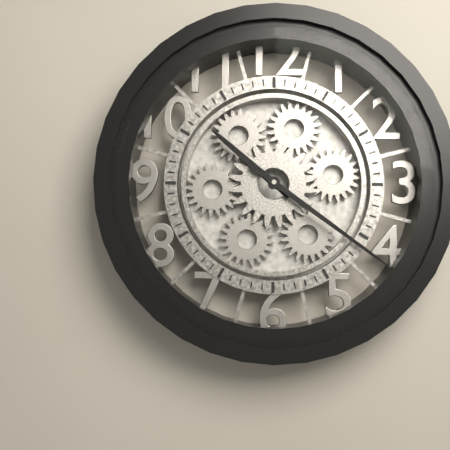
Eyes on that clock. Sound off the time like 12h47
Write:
10h21
